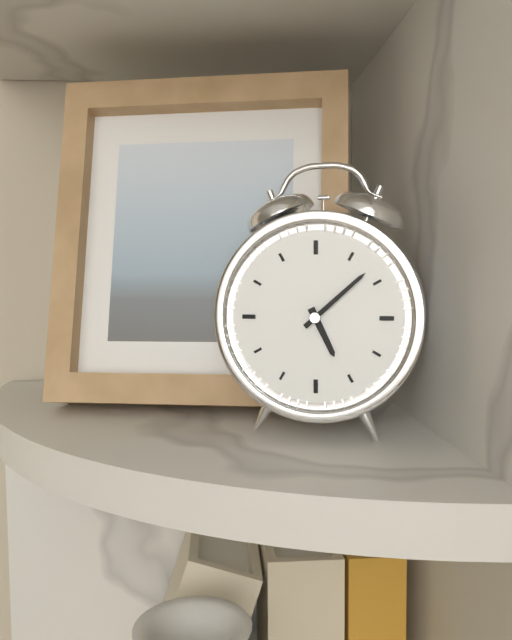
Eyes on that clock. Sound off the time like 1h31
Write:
5h08
